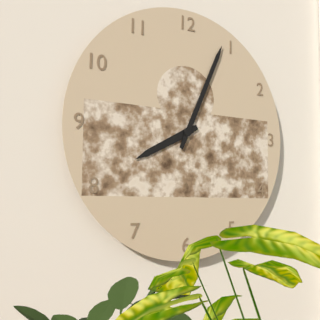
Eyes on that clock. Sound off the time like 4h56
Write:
8h04
